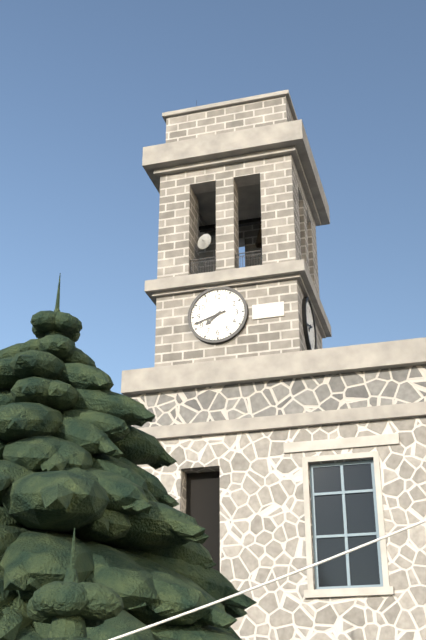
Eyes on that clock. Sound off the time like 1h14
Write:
7h42
